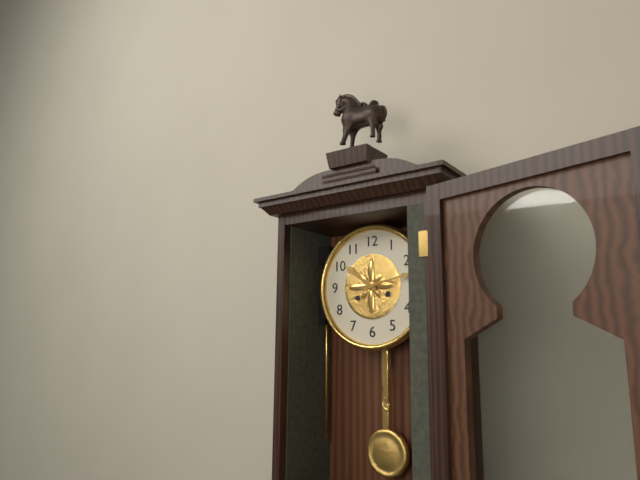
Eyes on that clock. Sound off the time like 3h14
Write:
10h13
